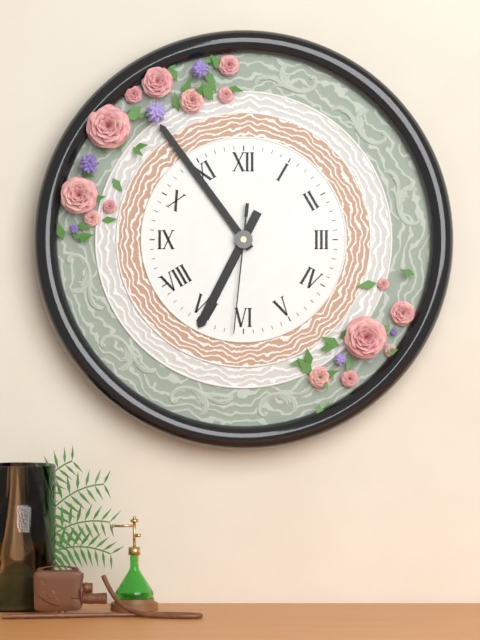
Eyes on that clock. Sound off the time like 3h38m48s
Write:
6h54m31s
